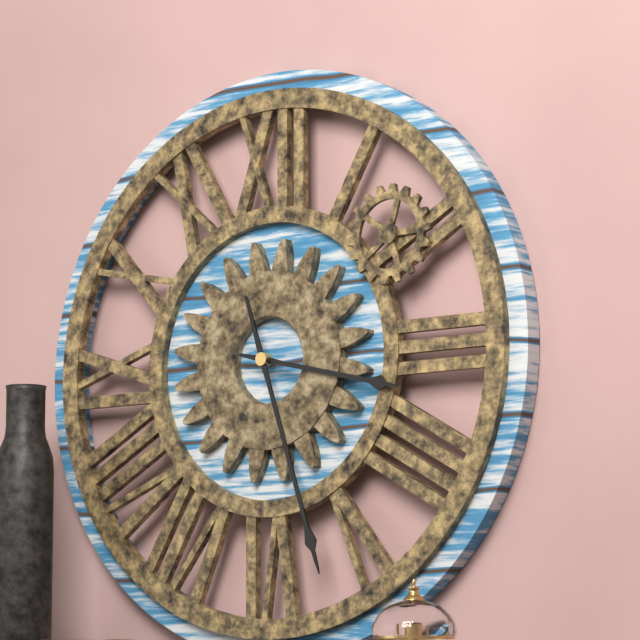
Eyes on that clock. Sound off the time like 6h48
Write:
3h27
